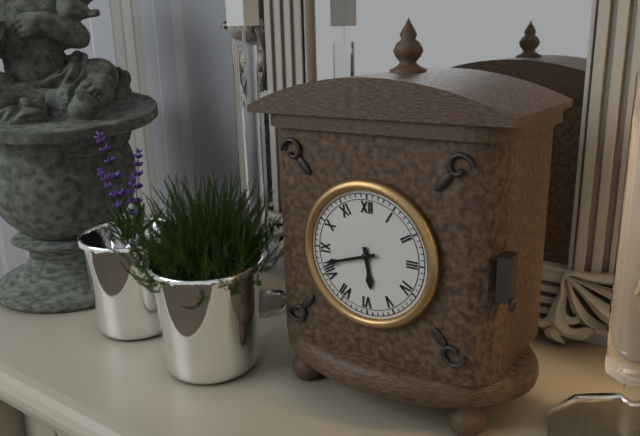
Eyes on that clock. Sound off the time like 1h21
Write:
5h42
